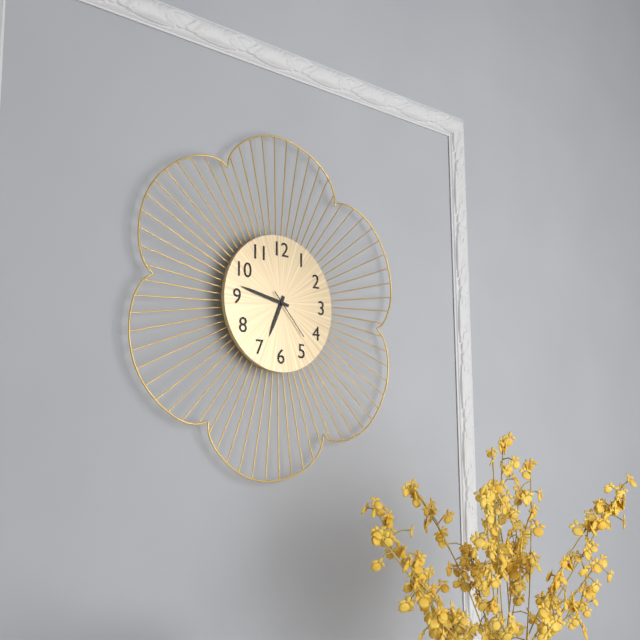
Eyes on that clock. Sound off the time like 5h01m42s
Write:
6h47m23s
